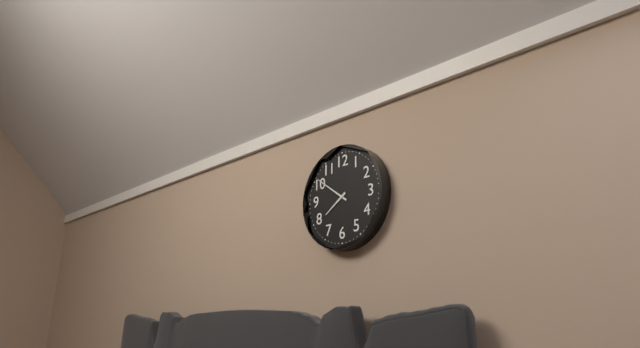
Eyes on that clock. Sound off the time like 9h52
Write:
7h51
